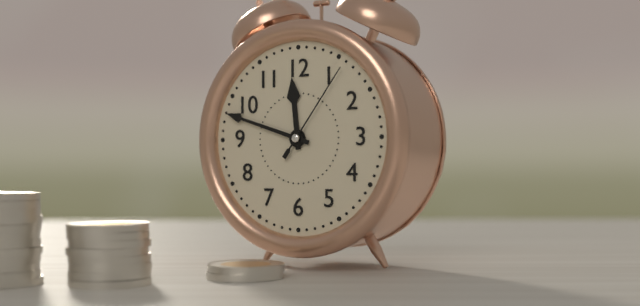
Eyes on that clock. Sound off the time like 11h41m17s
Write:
11h48m06s
